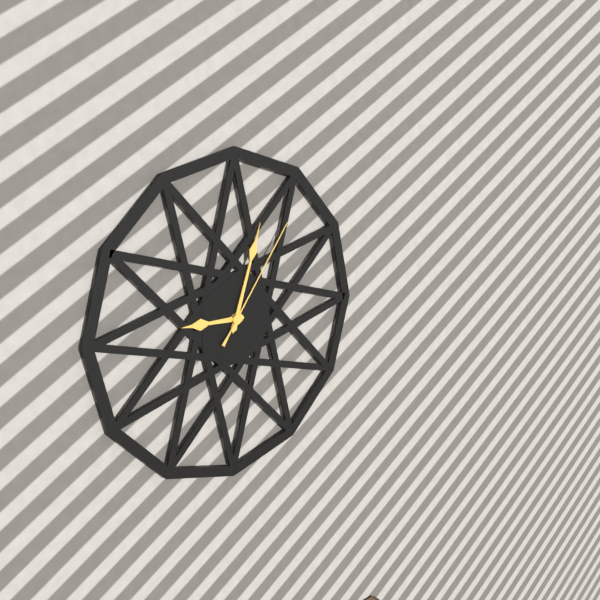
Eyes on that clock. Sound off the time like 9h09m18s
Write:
9h03m06s
